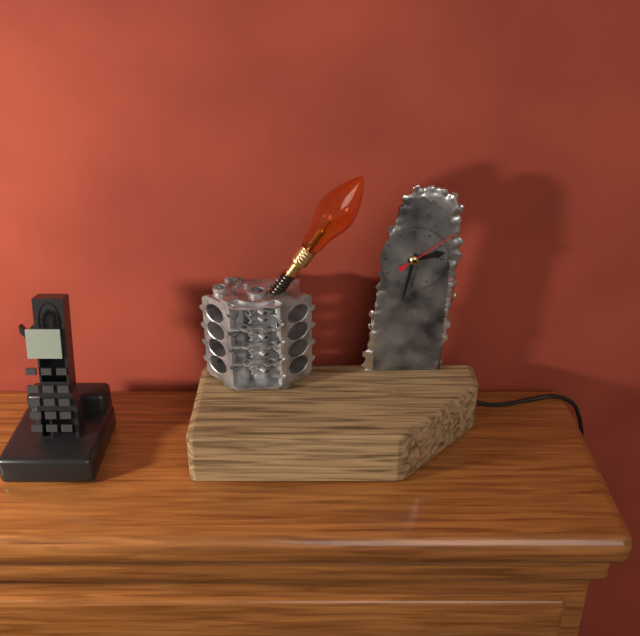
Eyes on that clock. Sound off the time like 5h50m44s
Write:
2h32m09s
